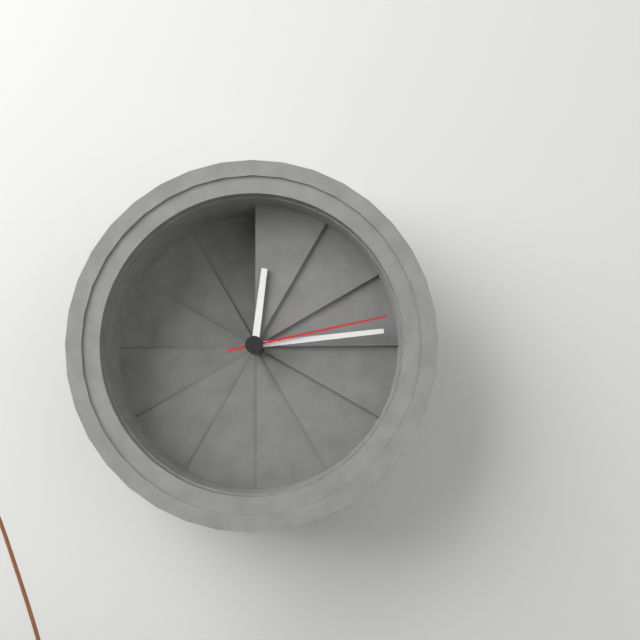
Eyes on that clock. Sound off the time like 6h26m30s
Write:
12h14m13s
